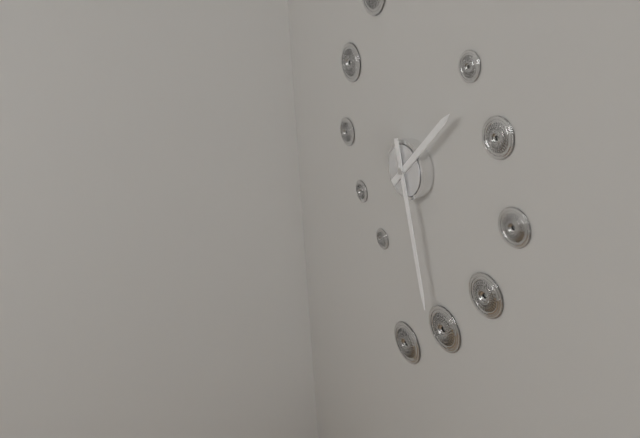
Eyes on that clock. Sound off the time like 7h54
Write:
1h27
